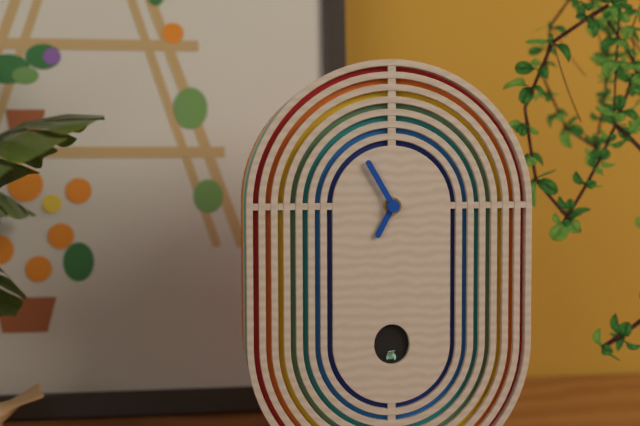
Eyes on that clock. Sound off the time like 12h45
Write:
6h55
